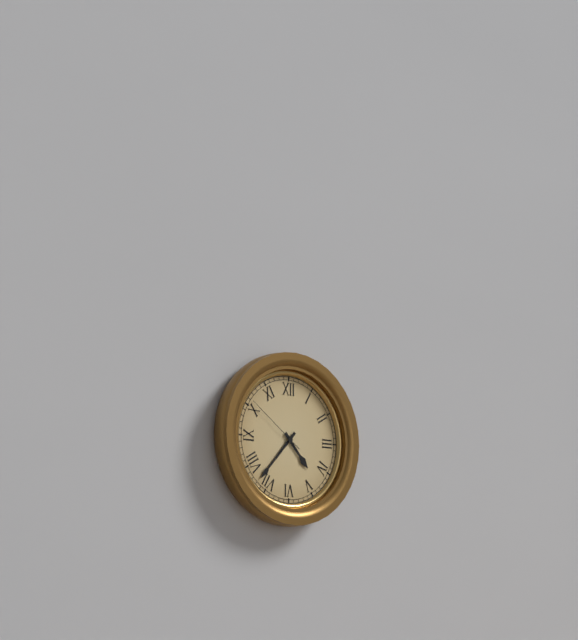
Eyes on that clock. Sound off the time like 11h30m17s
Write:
4h37m51s
